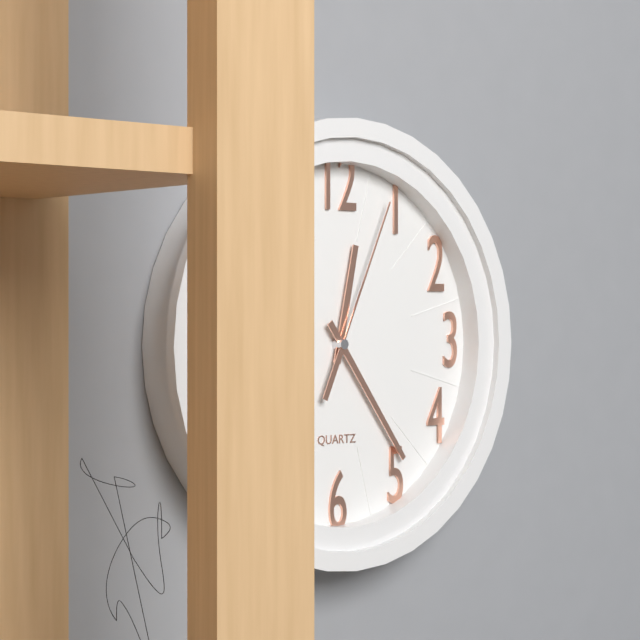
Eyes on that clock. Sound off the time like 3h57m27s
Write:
12h24m04s
